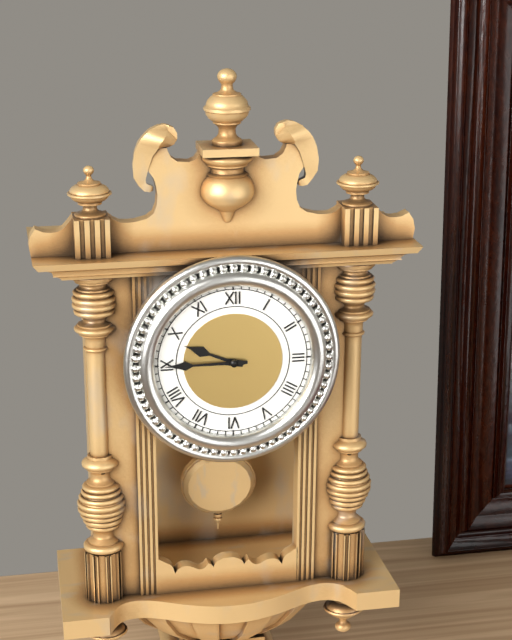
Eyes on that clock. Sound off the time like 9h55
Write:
9h45
